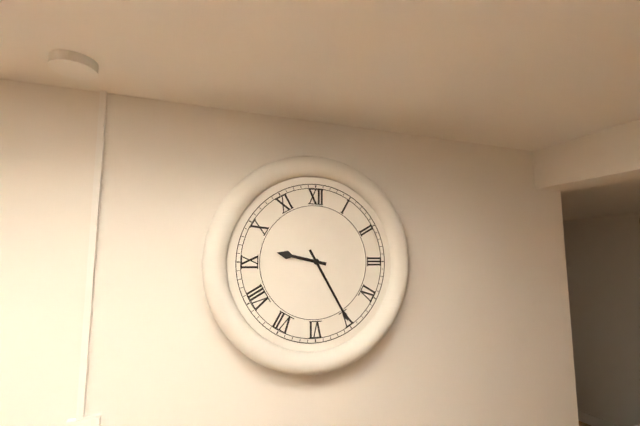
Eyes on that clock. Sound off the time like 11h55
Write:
9h25
